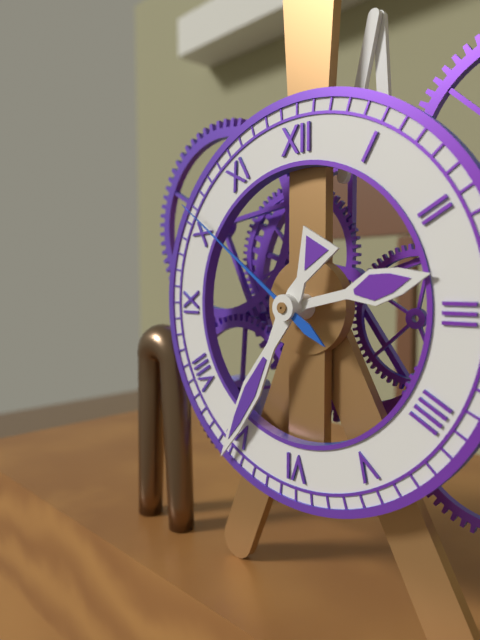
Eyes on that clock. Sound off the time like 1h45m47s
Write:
2h35m51s
